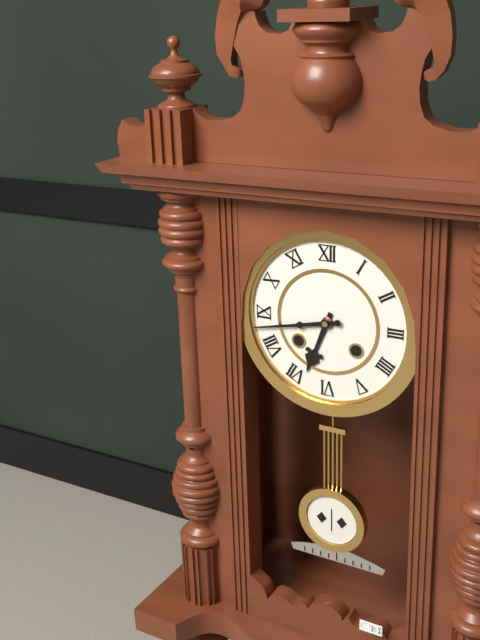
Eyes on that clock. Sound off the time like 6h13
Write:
6h43
